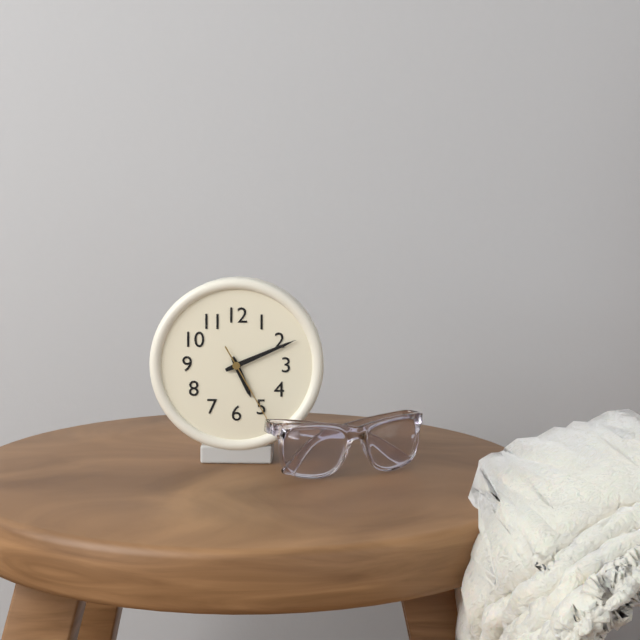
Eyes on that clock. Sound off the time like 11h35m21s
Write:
5h11m25s
